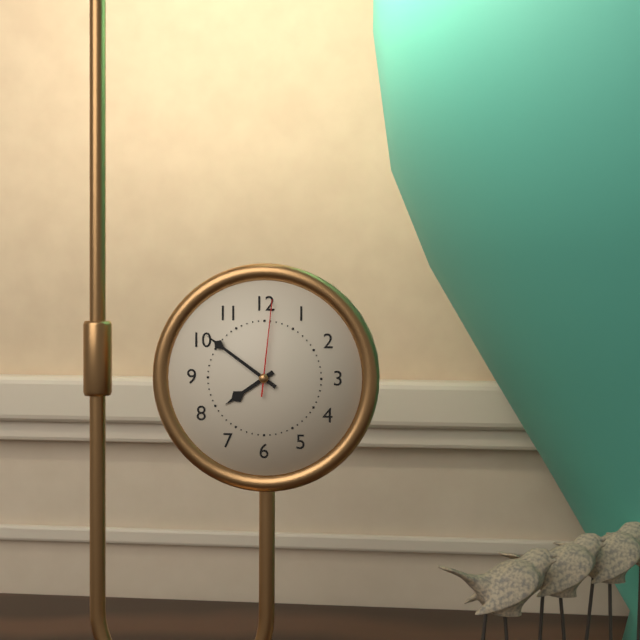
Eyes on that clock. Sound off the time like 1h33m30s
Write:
7h51m01s
